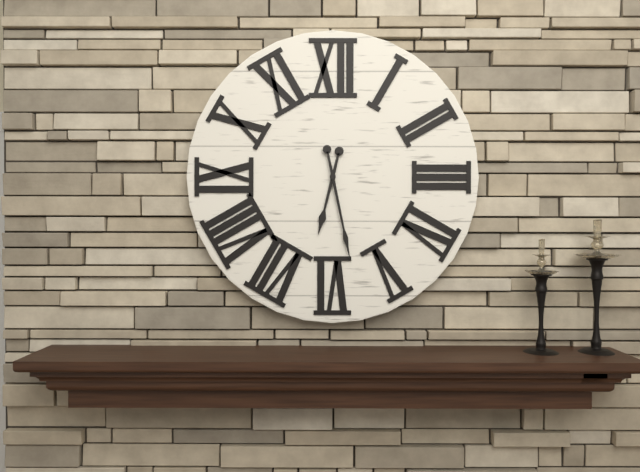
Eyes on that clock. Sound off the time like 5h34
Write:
6h28
